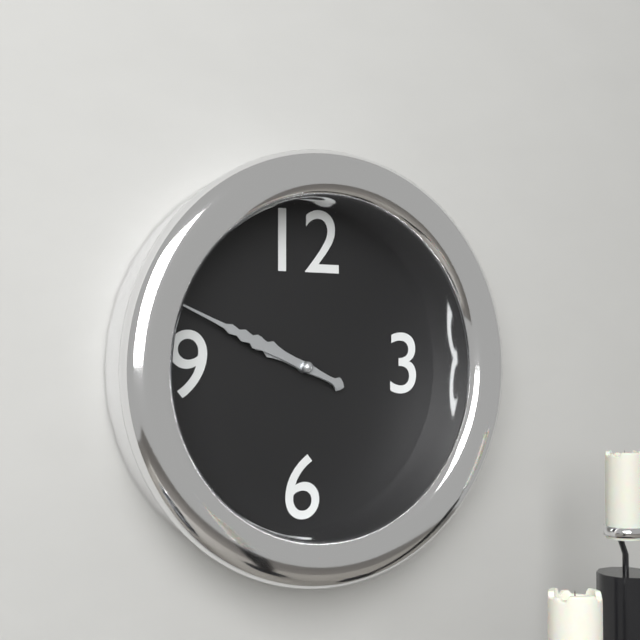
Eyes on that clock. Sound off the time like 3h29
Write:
9h49
